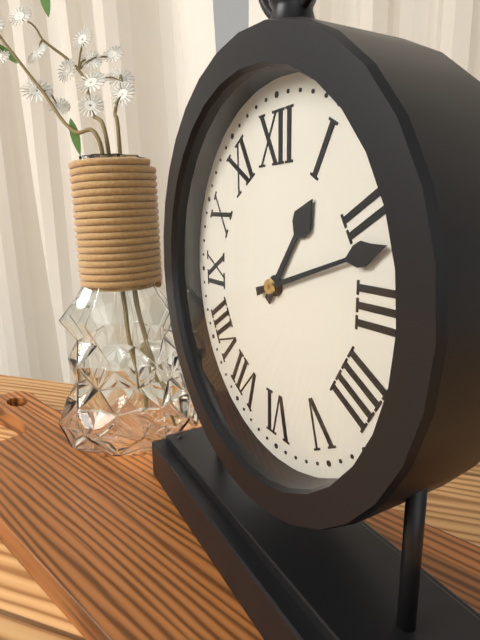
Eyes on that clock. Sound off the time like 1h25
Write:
1h12
